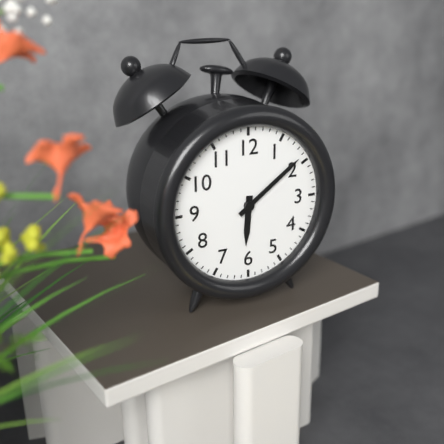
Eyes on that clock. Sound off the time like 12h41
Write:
6h09
